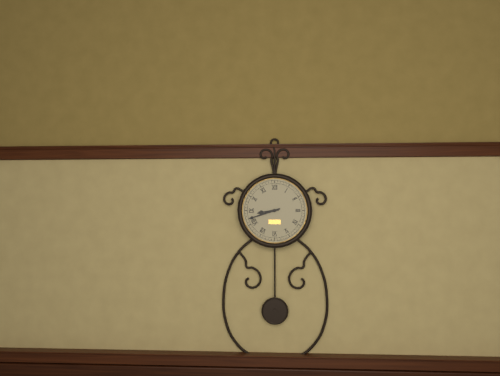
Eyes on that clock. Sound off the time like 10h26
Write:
8h42
